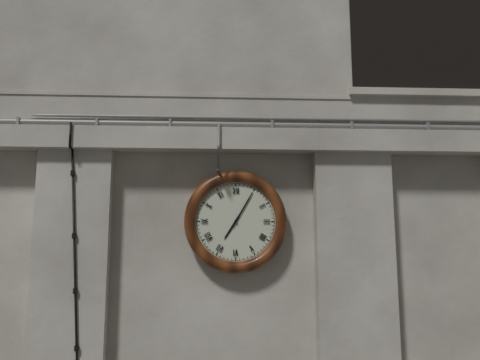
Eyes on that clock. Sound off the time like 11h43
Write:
7h05
